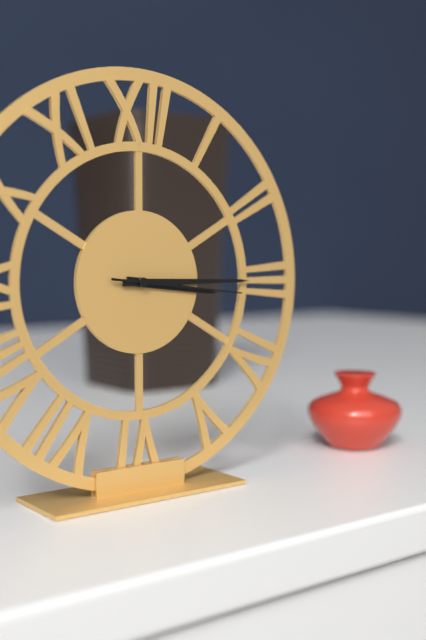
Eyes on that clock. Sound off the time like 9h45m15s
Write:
3h15m16s
